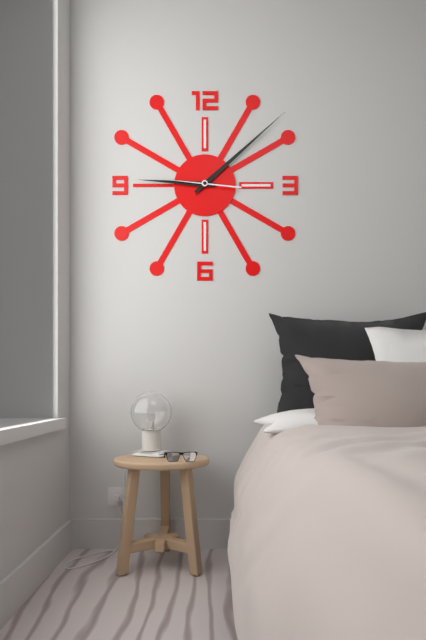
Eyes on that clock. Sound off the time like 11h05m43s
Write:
9h08m46s
